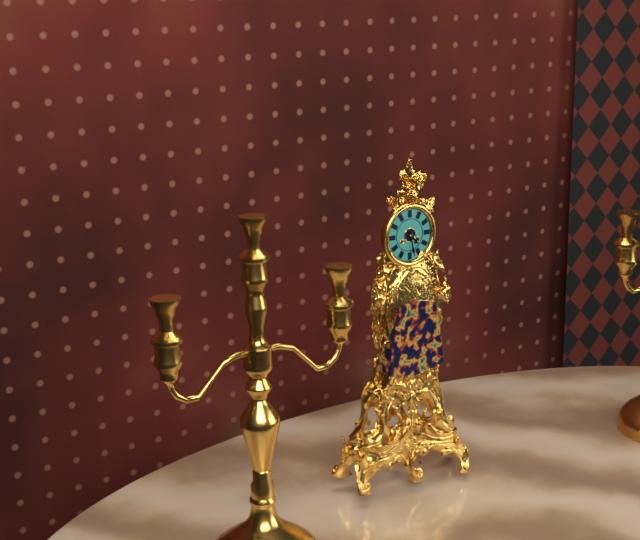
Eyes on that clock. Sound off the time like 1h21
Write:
4h28
